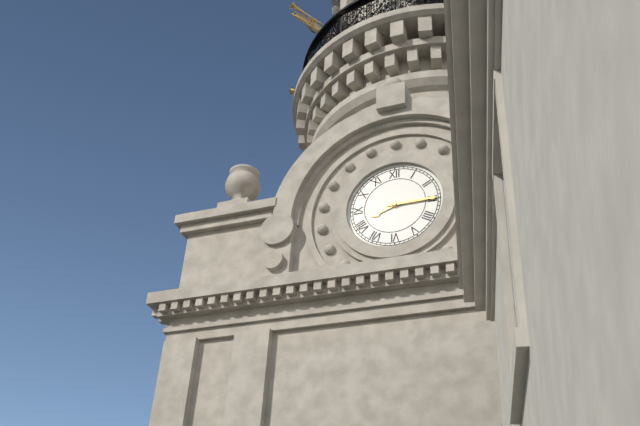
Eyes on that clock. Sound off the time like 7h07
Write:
8h15
